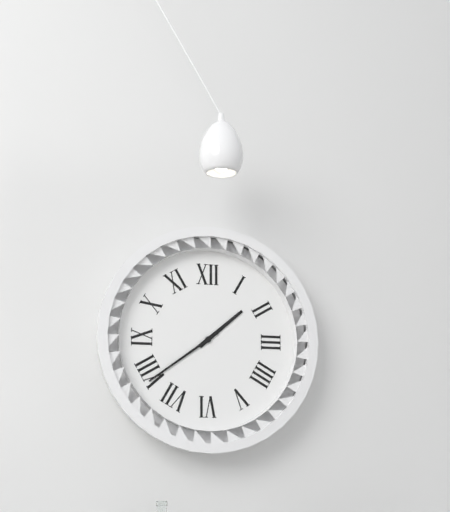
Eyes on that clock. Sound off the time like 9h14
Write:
1h39
